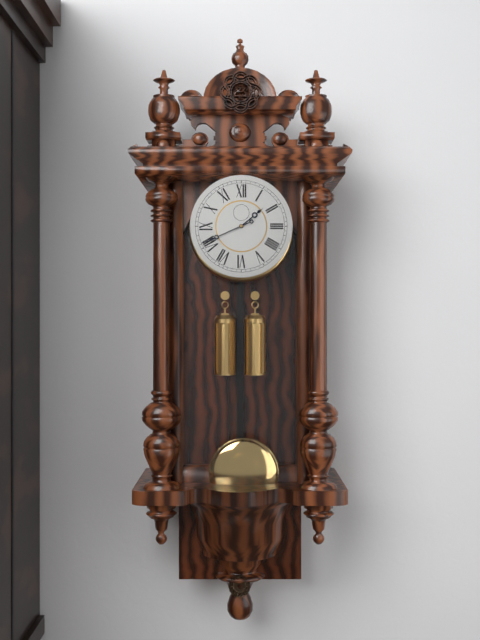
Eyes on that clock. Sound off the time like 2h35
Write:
1h41
